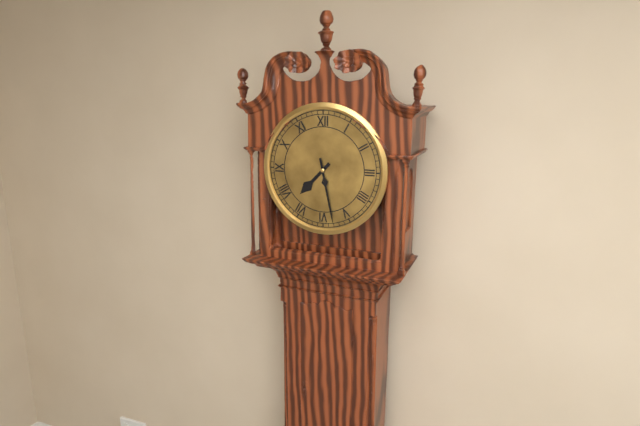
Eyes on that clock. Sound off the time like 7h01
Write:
7h28
